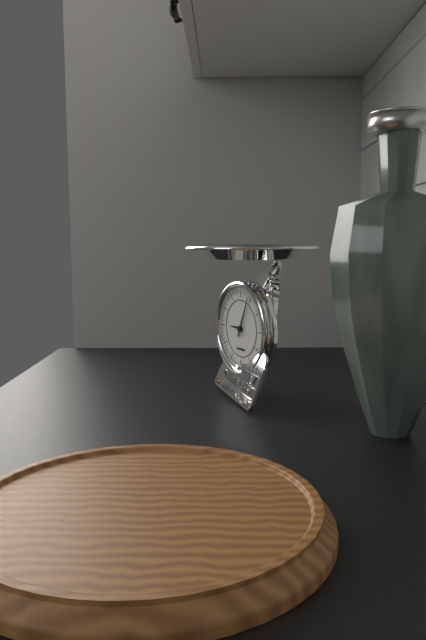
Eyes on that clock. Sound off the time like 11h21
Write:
9h04
